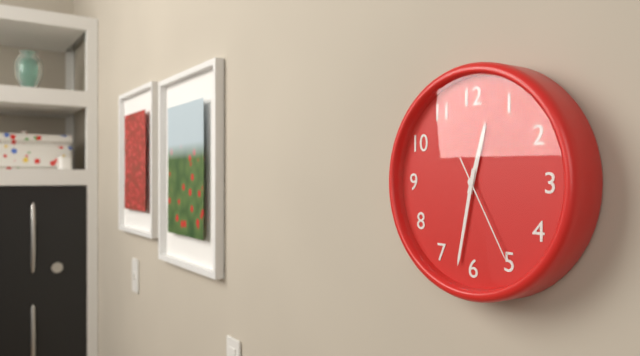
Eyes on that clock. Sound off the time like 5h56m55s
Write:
12h32m25s
